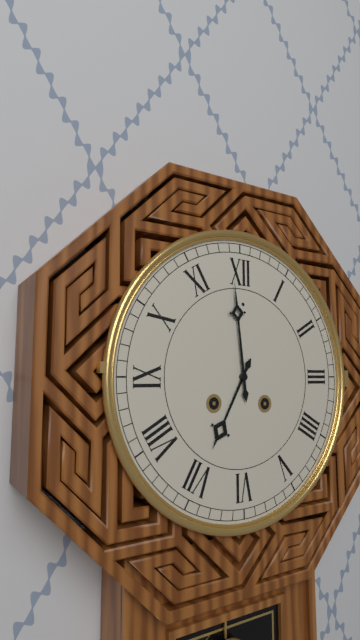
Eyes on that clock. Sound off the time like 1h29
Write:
6h59
